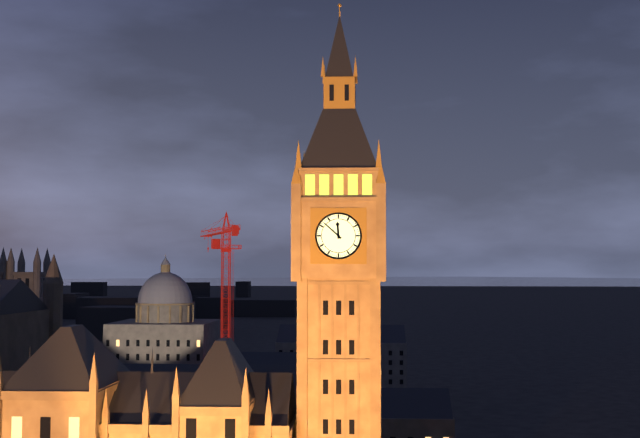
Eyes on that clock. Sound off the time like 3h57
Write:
11h52
